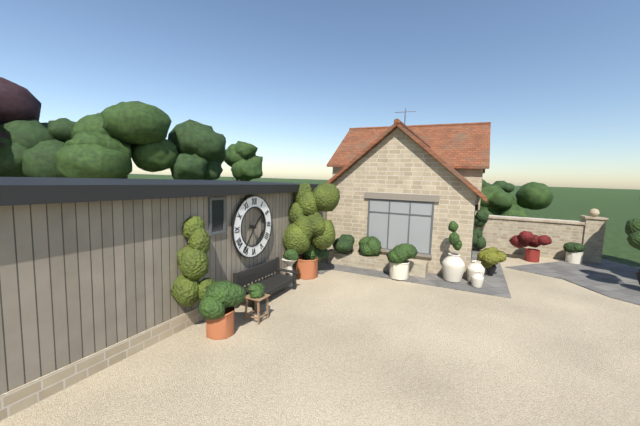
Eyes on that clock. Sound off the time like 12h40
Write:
1h36
